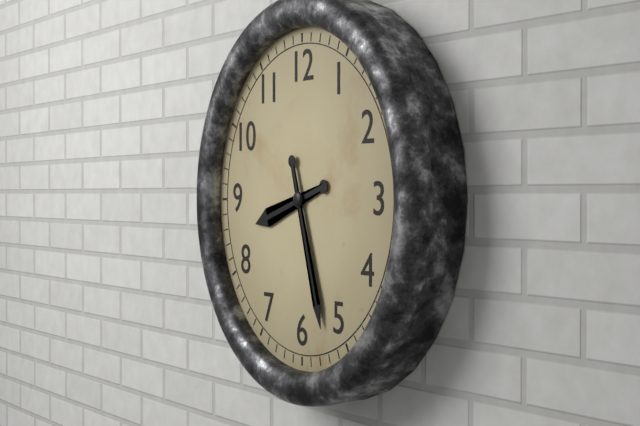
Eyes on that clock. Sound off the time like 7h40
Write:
8h27
